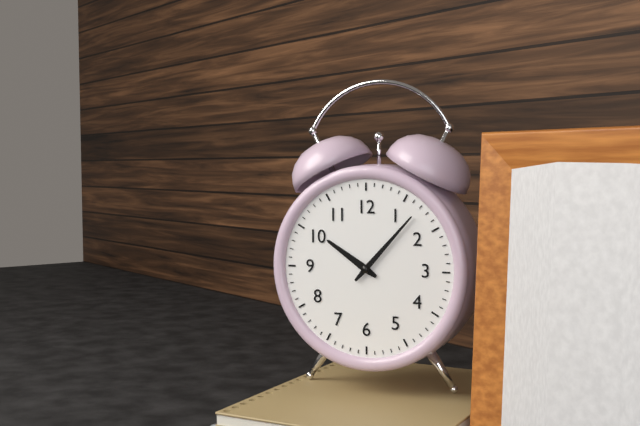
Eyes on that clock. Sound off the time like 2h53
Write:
10h07
